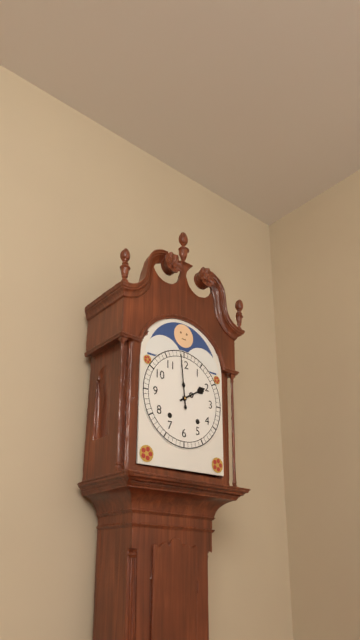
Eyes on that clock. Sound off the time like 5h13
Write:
1h59
